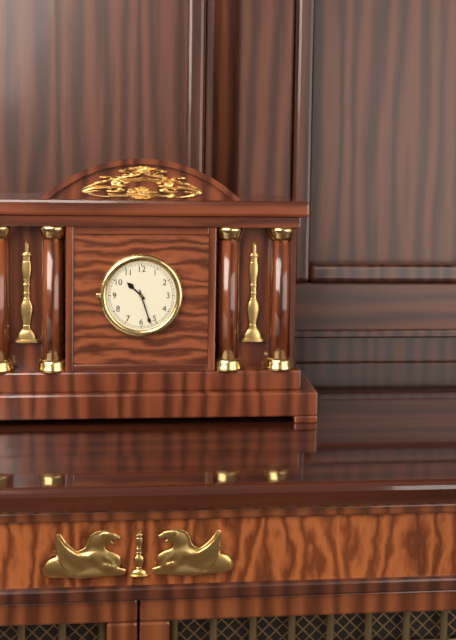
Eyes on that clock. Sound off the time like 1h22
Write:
10h27
